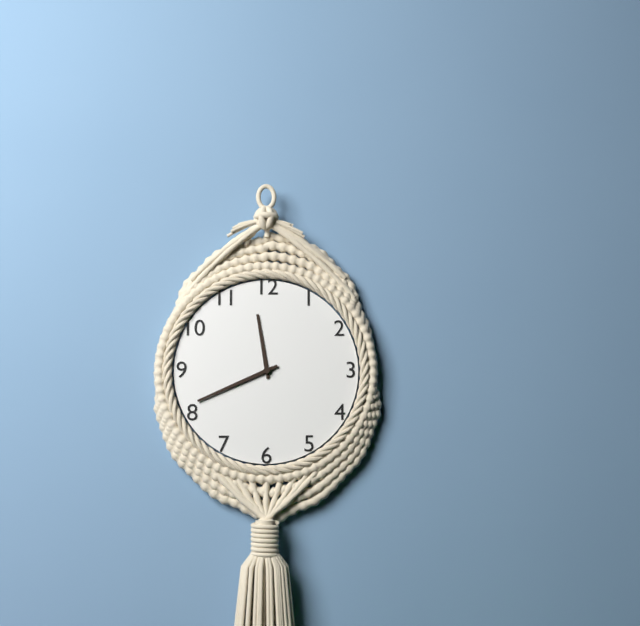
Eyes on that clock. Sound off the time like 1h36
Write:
11h41
